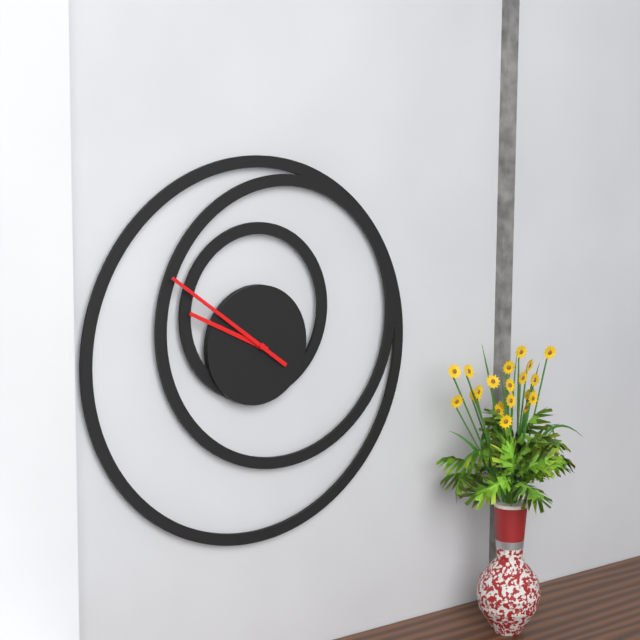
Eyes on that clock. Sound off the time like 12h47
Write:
9h51
